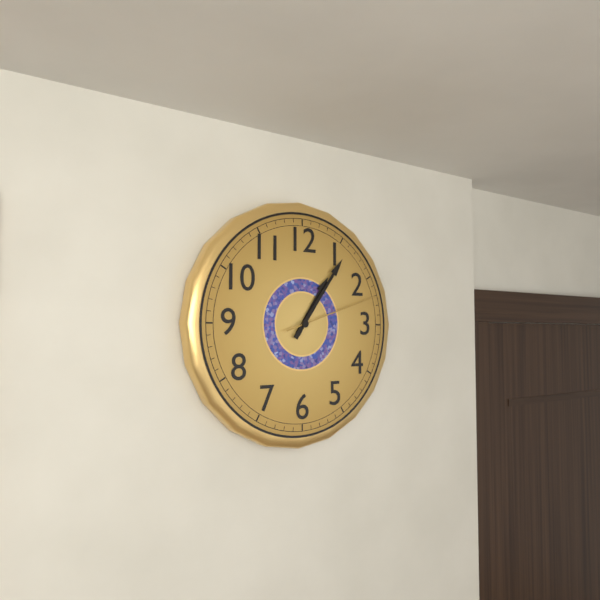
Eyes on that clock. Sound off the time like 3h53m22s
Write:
1h06m12s
